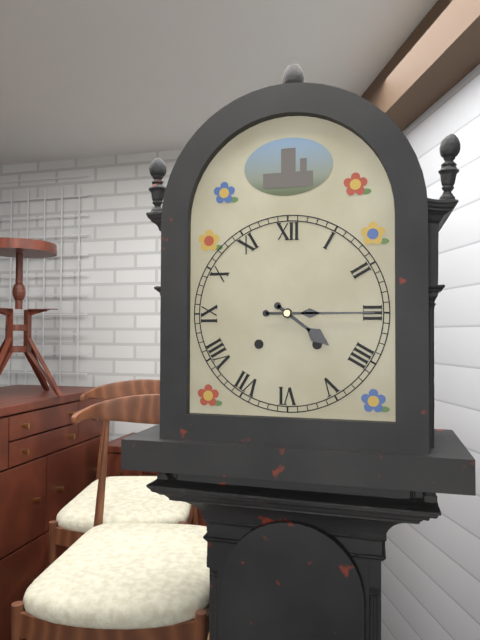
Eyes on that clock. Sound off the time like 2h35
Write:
4h15
